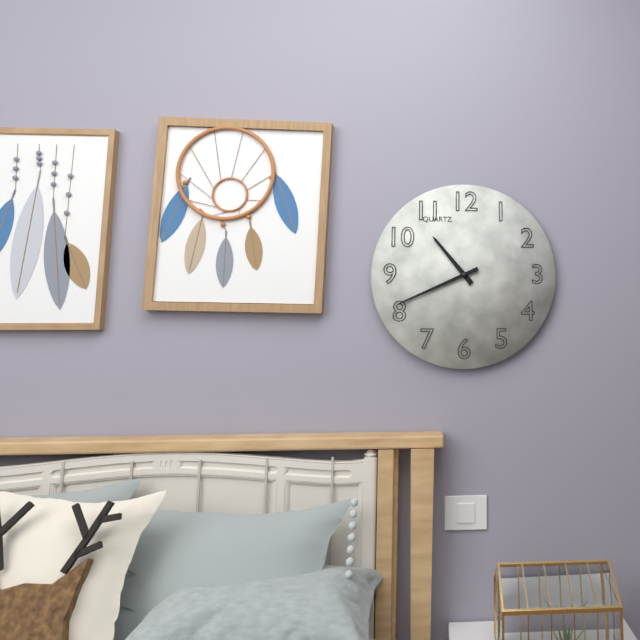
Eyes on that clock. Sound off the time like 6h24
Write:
10h41
